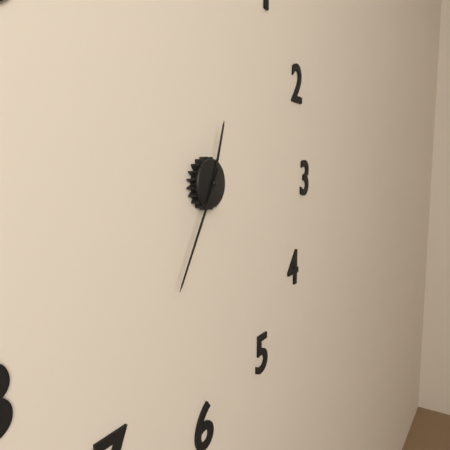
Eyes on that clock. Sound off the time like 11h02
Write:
12h35
